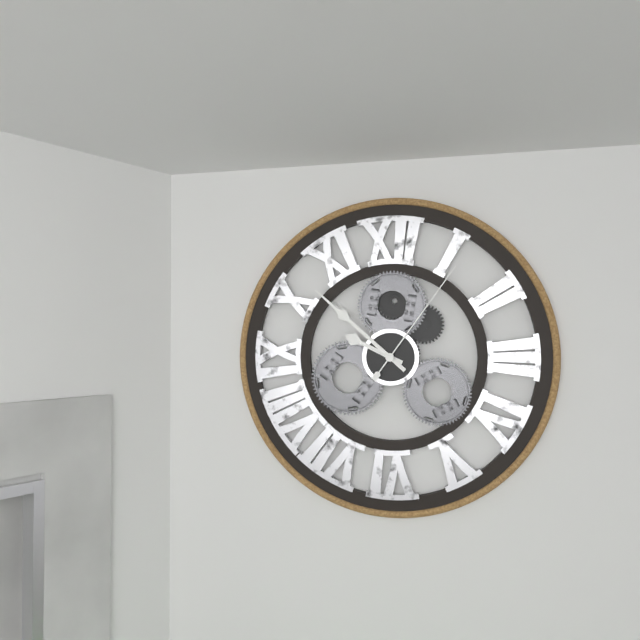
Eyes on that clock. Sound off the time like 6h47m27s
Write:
9h52m06s
